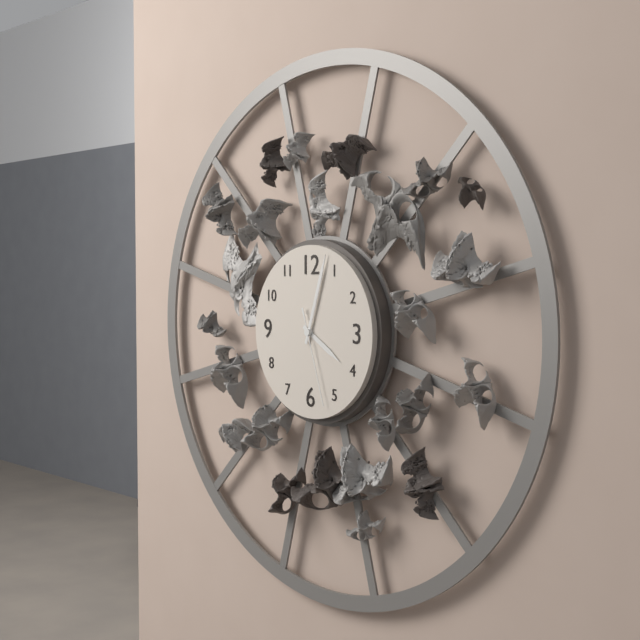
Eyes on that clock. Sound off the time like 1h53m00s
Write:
4h03m27s
